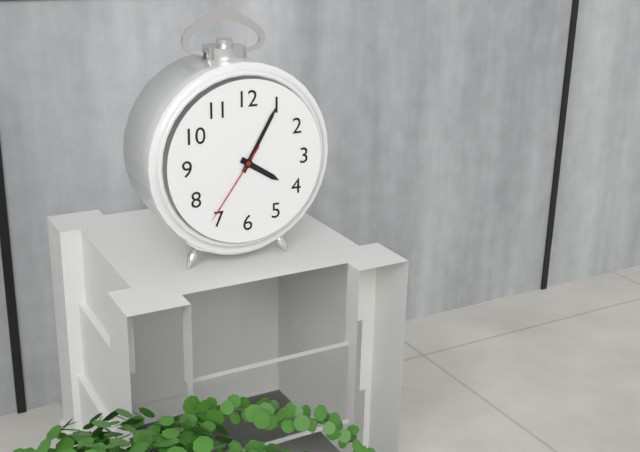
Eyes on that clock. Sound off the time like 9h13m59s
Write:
4h05m36s
